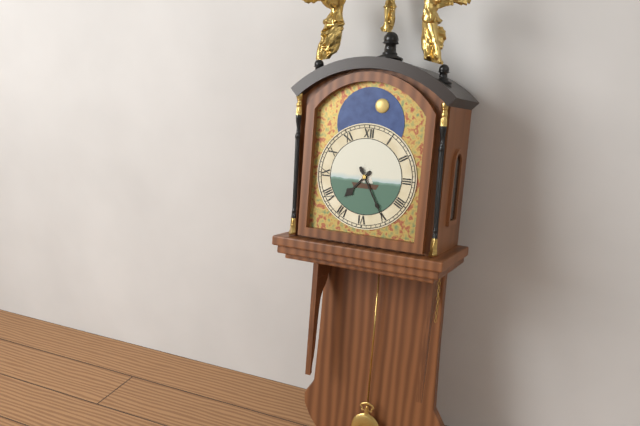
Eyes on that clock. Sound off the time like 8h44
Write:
7h25
